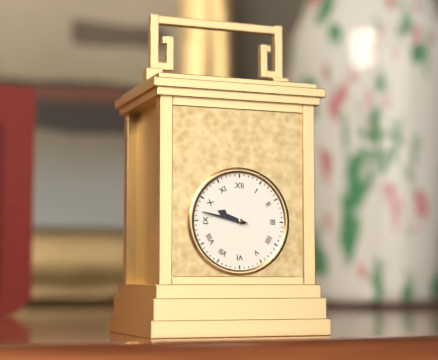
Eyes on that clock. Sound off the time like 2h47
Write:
9h47
